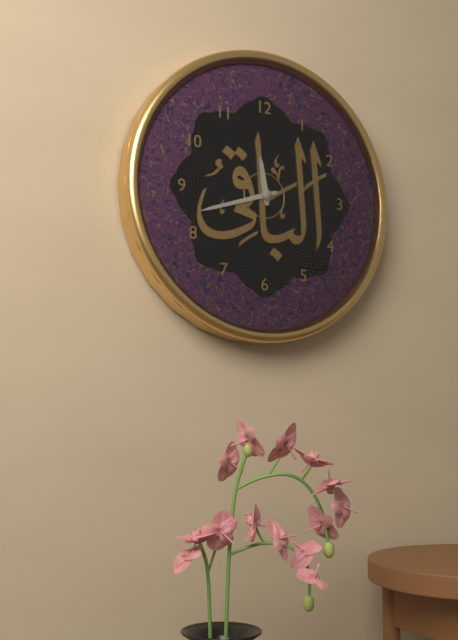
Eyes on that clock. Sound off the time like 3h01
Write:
11h42
